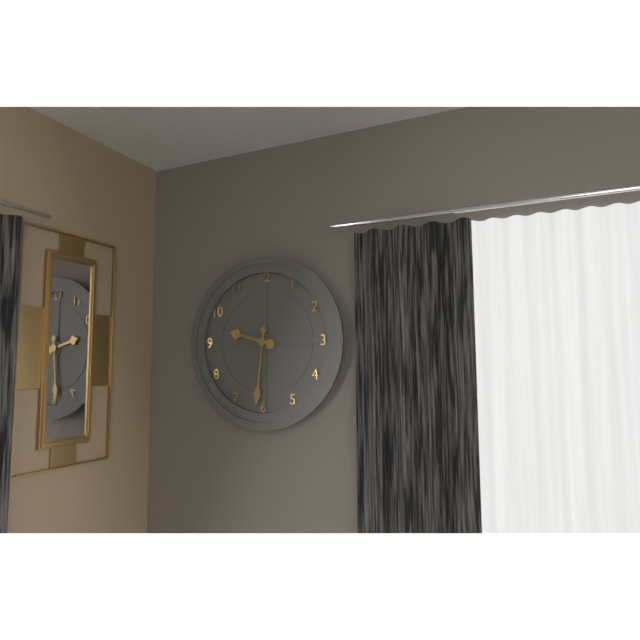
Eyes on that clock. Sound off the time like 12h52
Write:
9h31
